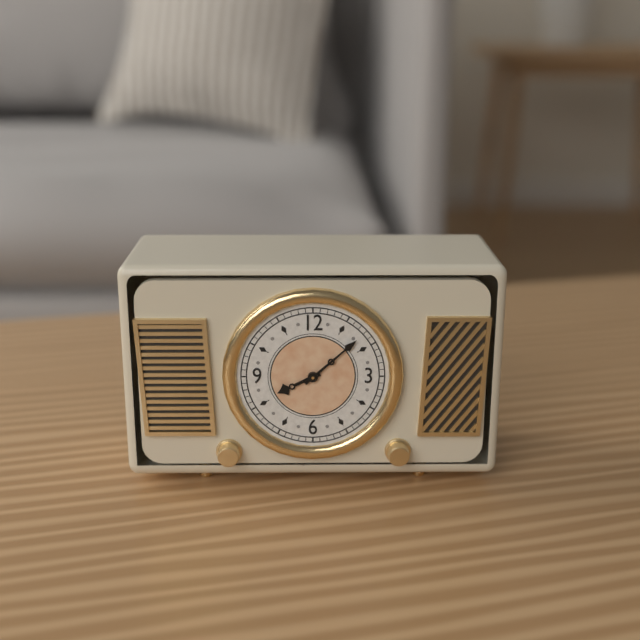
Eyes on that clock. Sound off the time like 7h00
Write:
8h08
